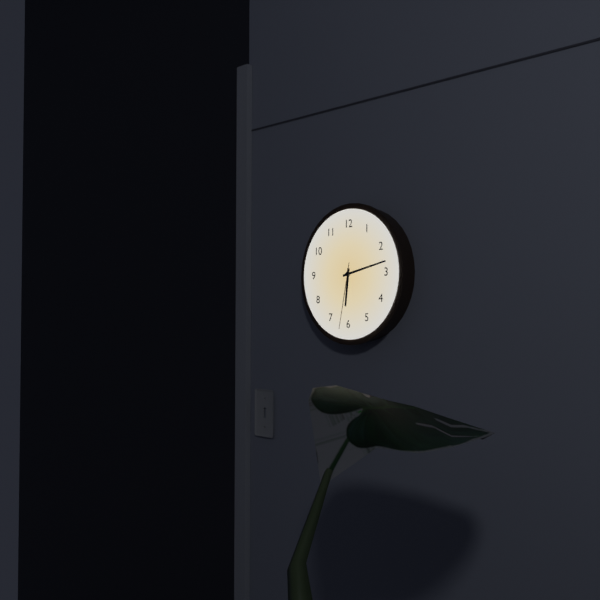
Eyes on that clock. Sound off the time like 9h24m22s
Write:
6h13m32s
